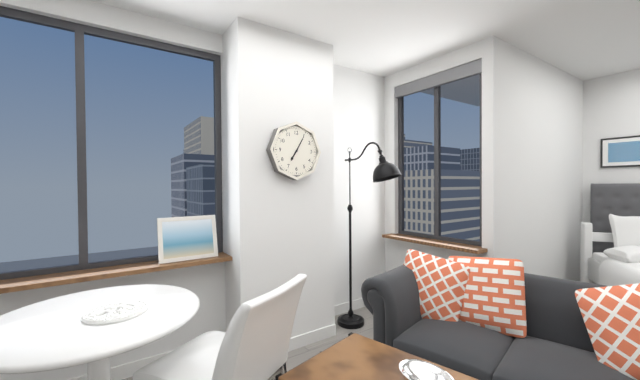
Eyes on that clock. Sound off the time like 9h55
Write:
7h05
